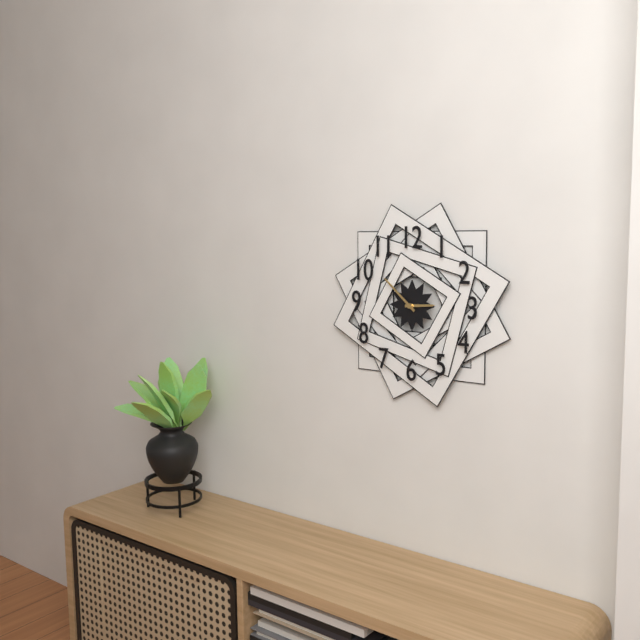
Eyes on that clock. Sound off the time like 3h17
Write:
2h52
